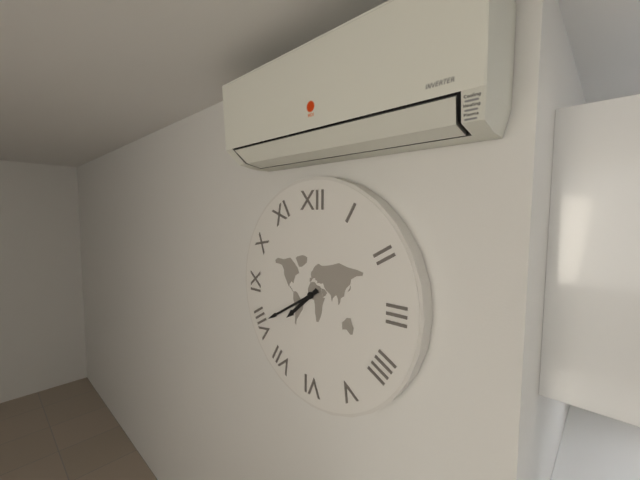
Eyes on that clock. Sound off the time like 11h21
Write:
7h40
